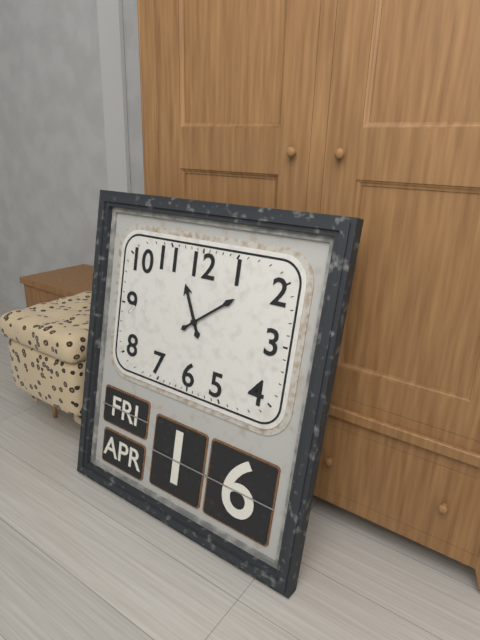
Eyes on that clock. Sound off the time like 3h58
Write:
11h09
